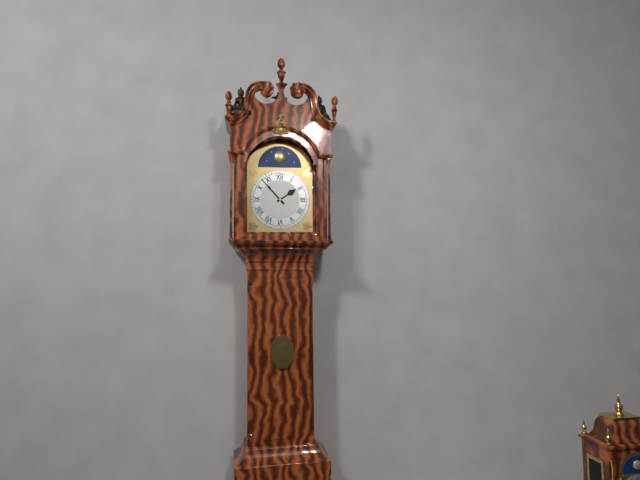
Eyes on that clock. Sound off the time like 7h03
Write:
1h53
